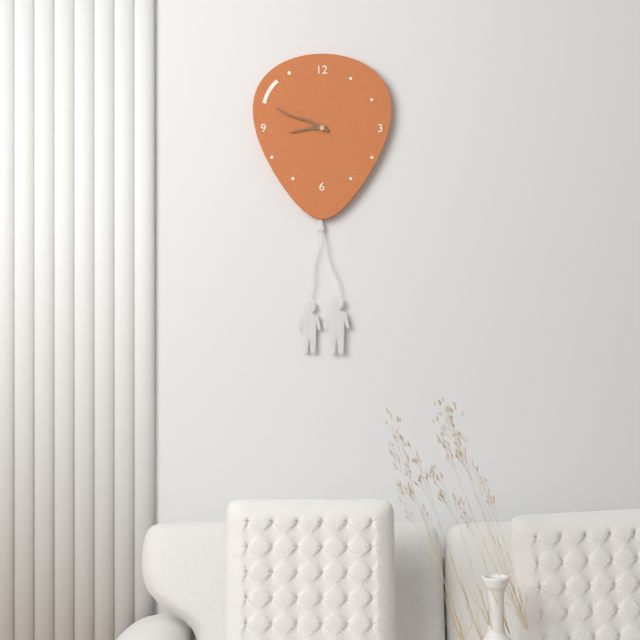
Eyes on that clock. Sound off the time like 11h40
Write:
8h49
